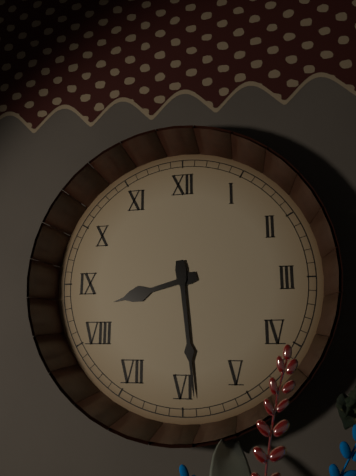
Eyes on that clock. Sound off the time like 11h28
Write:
8h29
